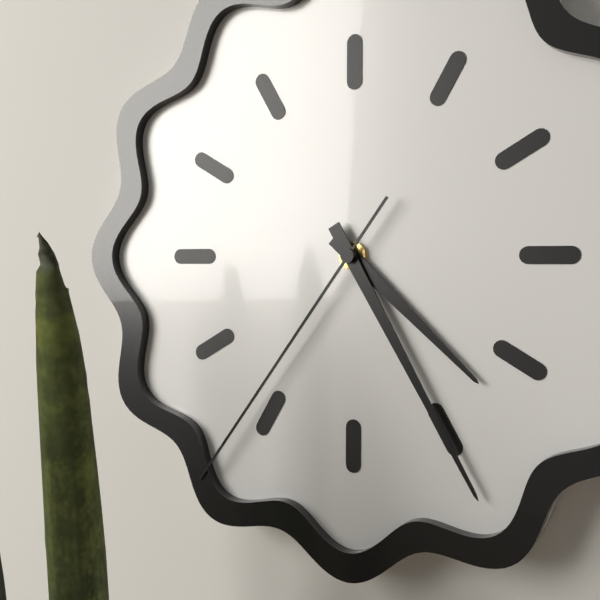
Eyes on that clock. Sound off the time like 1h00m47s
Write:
4h25m36s
